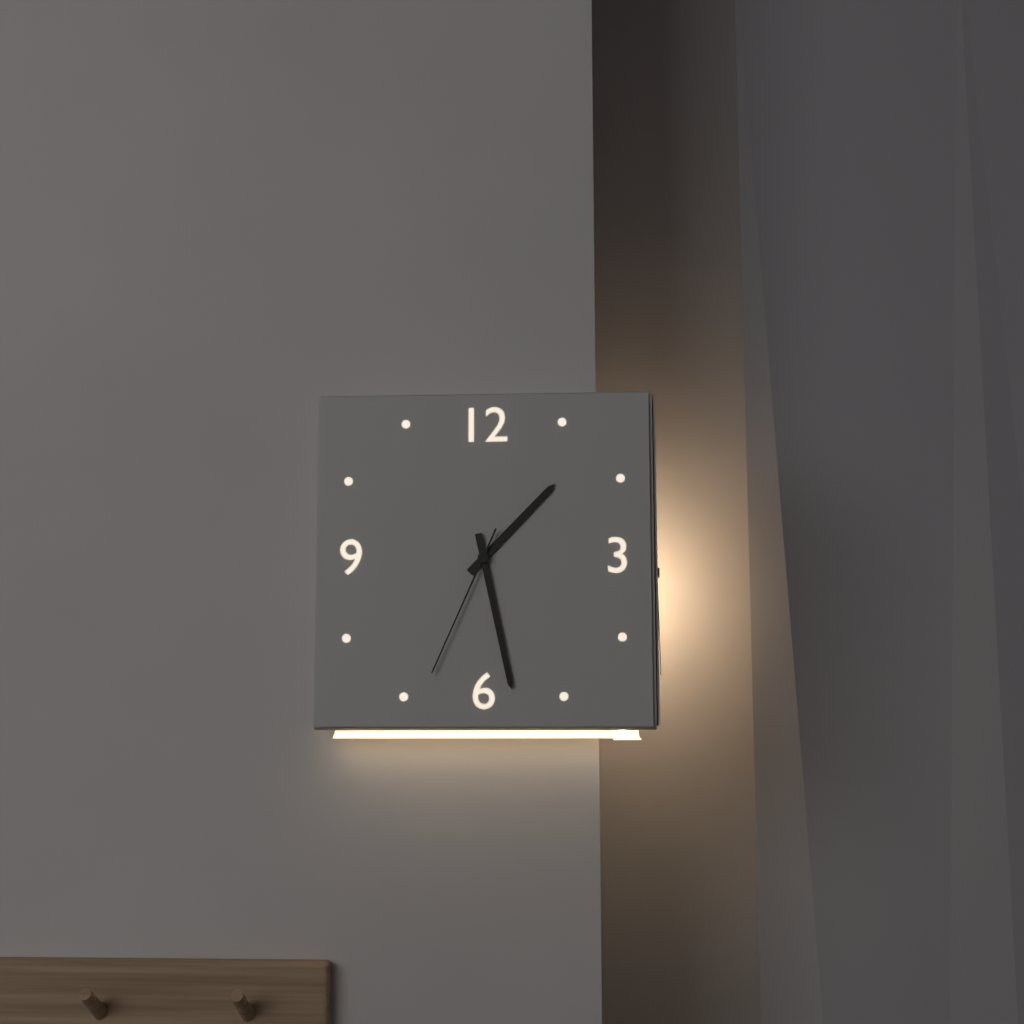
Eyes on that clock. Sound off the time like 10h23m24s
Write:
1h28m34s
